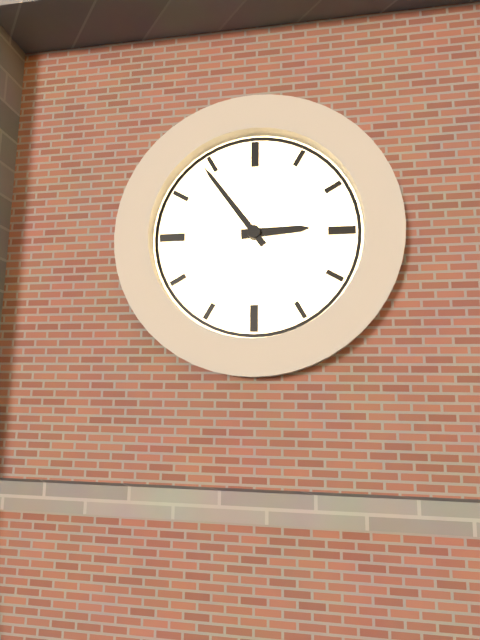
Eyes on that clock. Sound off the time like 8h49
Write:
2h54
